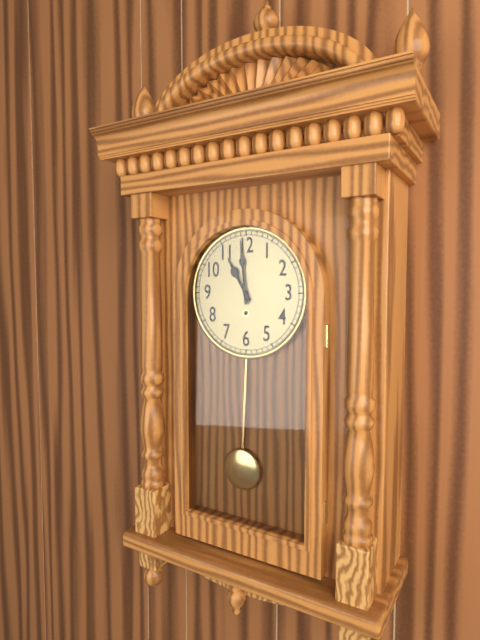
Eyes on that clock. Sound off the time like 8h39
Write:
10h59
